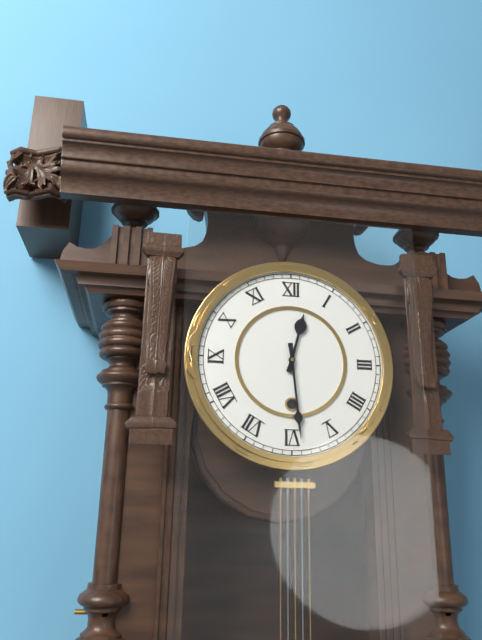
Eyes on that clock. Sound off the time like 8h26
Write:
12h29
